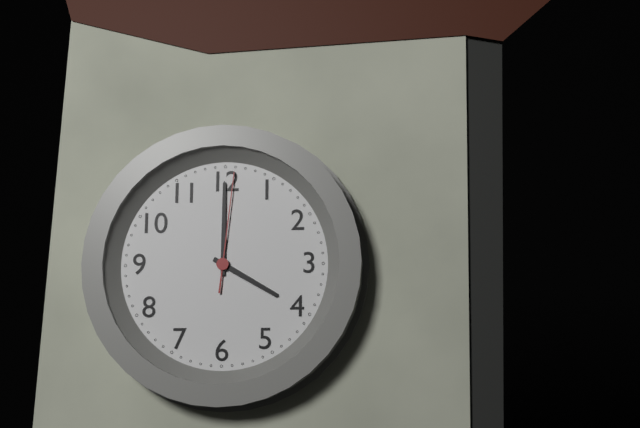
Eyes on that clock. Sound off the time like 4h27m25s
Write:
4h00m01s
